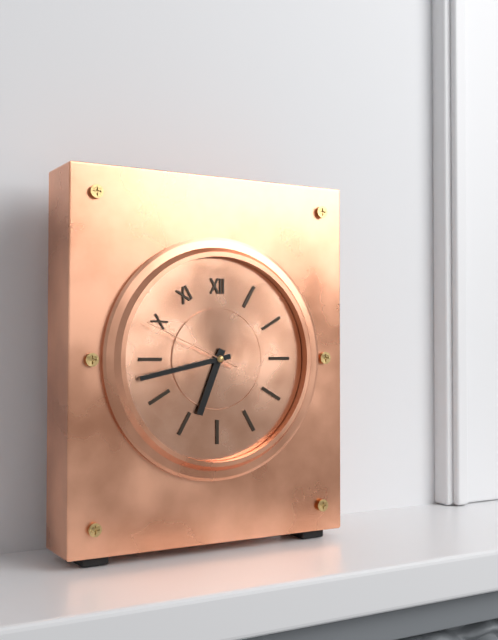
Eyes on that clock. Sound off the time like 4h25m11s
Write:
6h43m49s
